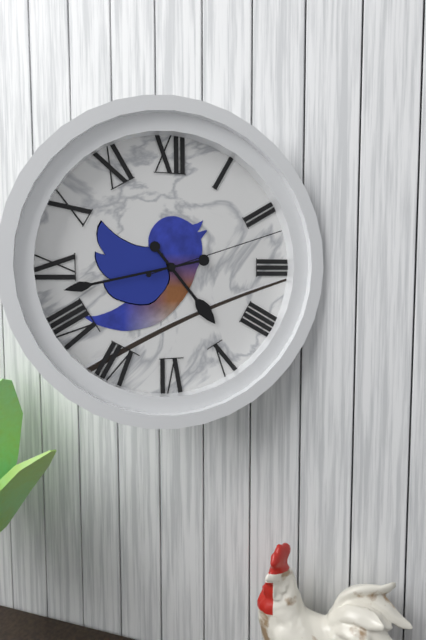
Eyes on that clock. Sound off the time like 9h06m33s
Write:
4h43m12s
